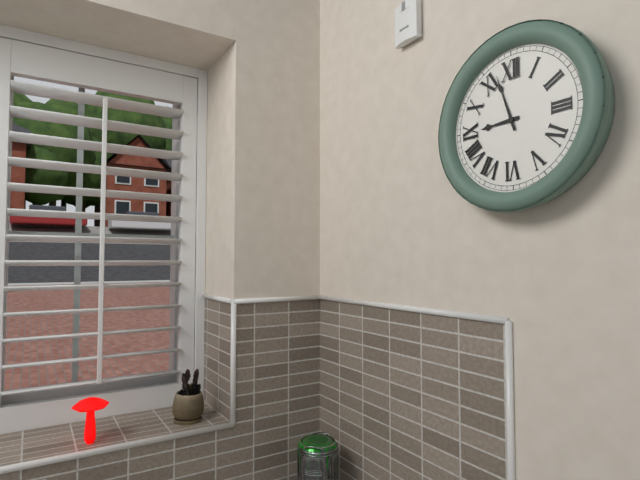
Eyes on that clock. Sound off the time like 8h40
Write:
8h57
